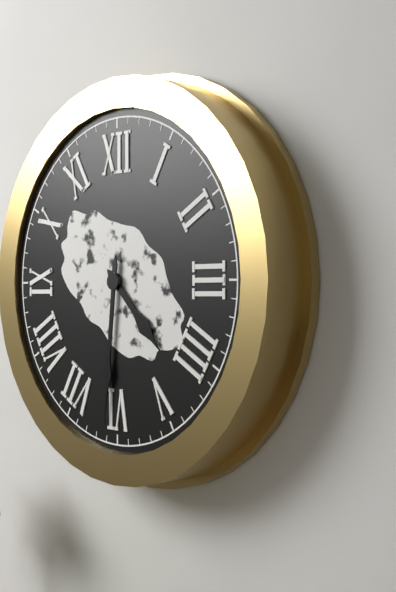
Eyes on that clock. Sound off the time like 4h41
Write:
4h31
